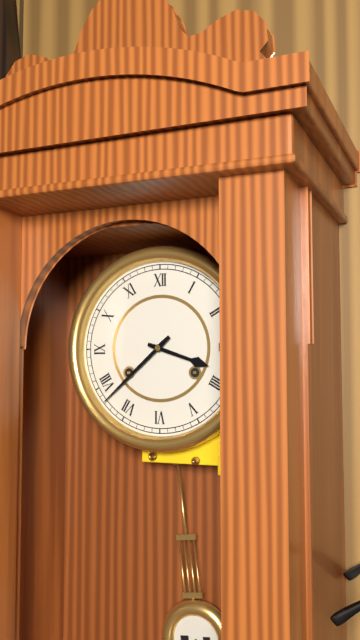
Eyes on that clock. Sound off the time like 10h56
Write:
3h38
